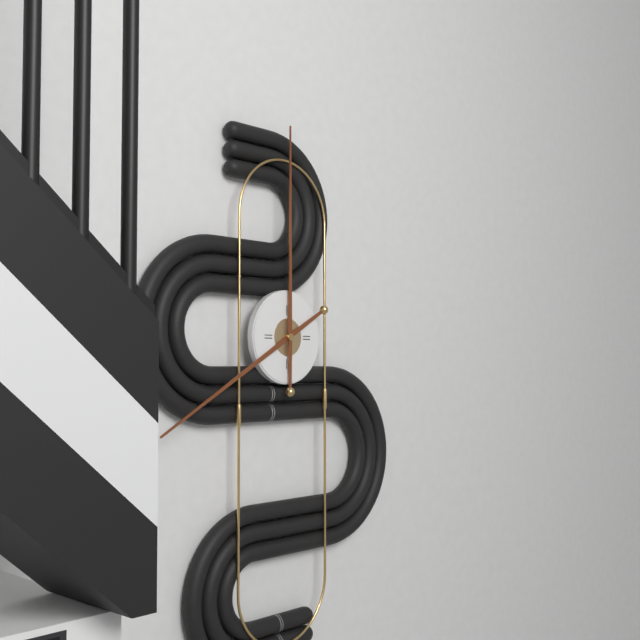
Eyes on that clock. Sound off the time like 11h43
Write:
8h00
